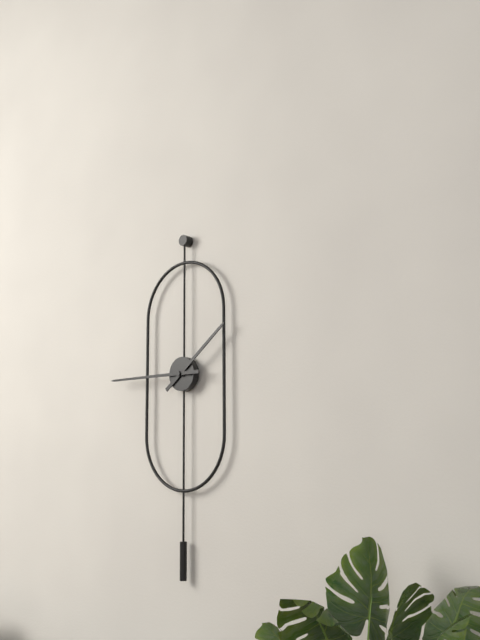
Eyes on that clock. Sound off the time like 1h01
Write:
1h45
